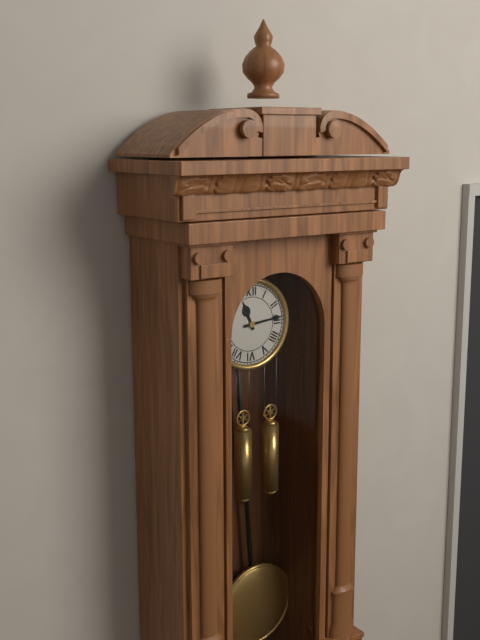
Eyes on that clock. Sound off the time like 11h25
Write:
11h14
